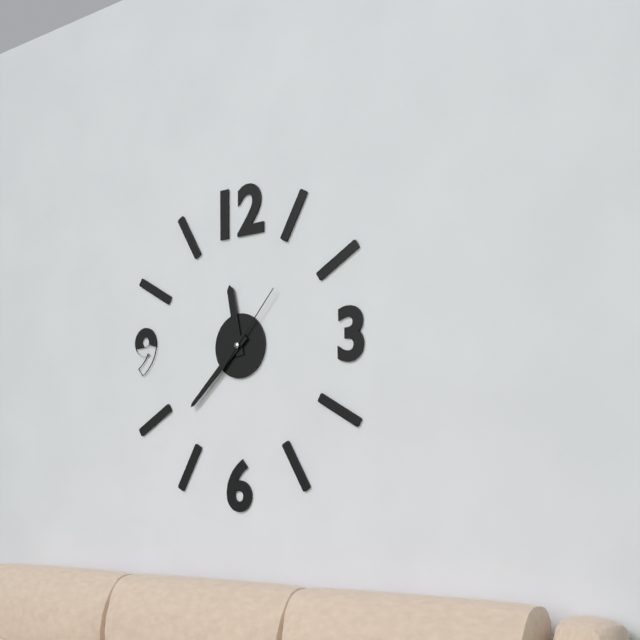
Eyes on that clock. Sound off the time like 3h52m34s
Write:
11h38m07s
